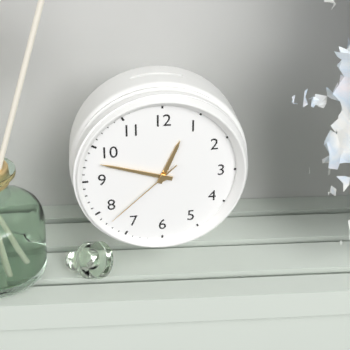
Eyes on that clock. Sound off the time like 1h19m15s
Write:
12h48m38s
